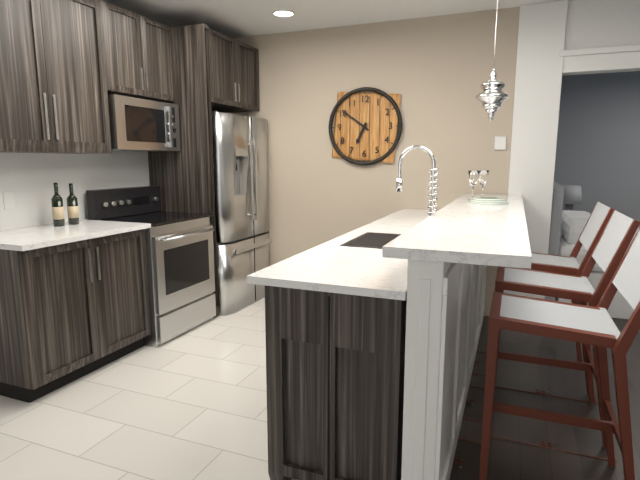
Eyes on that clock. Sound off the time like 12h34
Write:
6h51
